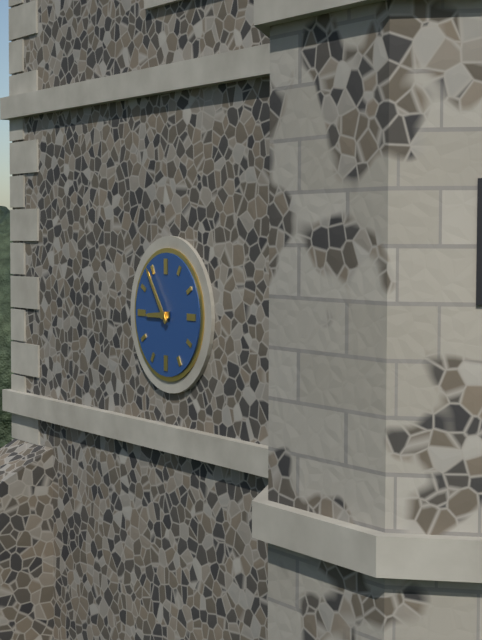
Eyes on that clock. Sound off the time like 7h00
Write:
8h54
